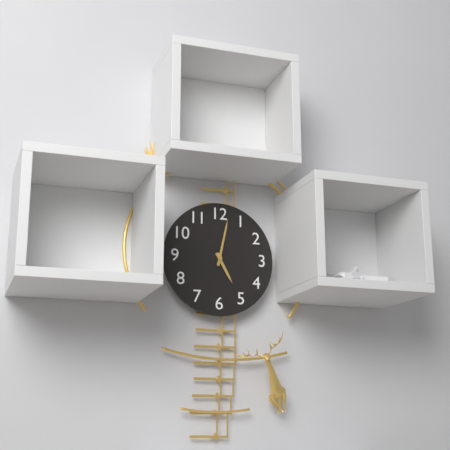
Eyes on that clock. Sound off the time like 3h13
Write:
5h02
